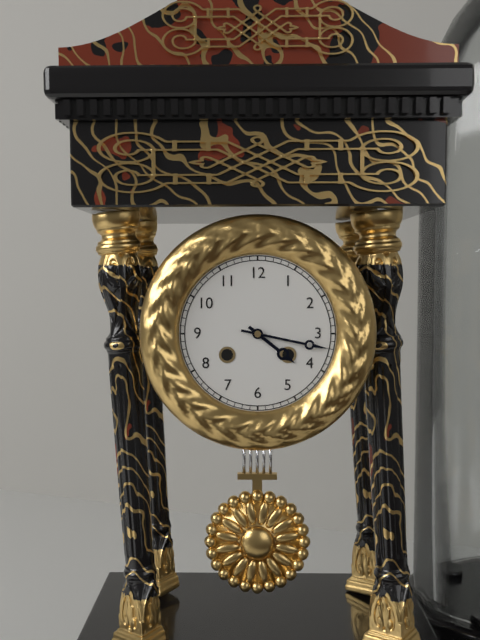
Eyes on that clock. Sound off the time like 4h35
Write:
4h17
